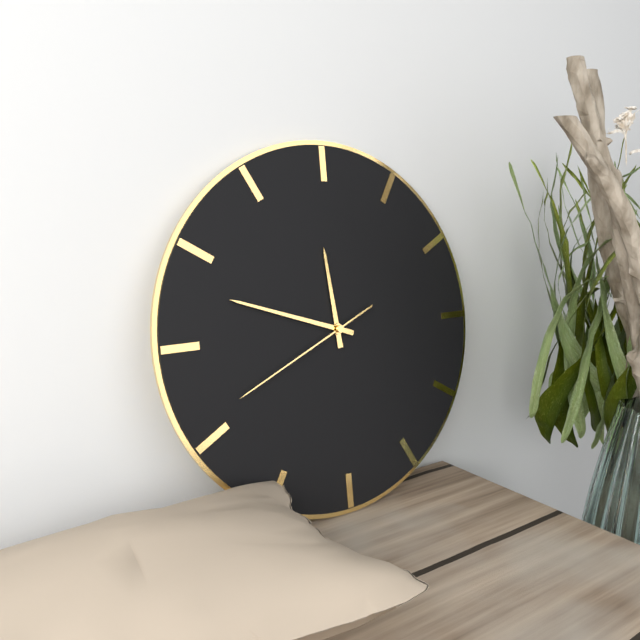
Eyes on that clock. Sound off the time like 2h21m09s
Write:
11h48m41s
